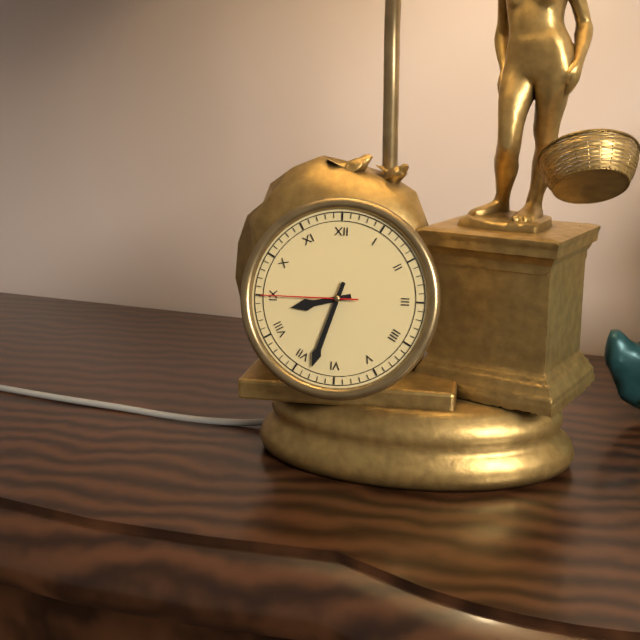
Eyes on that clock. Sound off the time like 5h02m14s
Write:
8h33m45s
